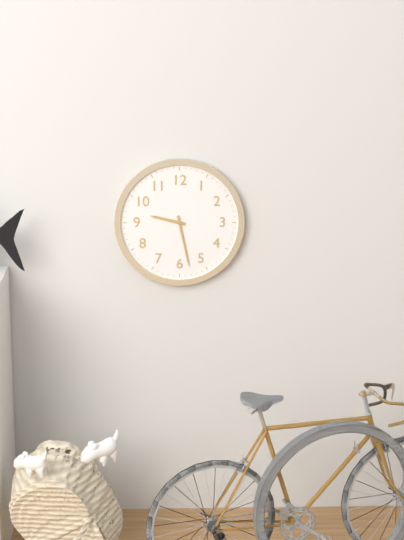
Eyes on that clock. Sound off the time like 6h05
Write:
9h28
